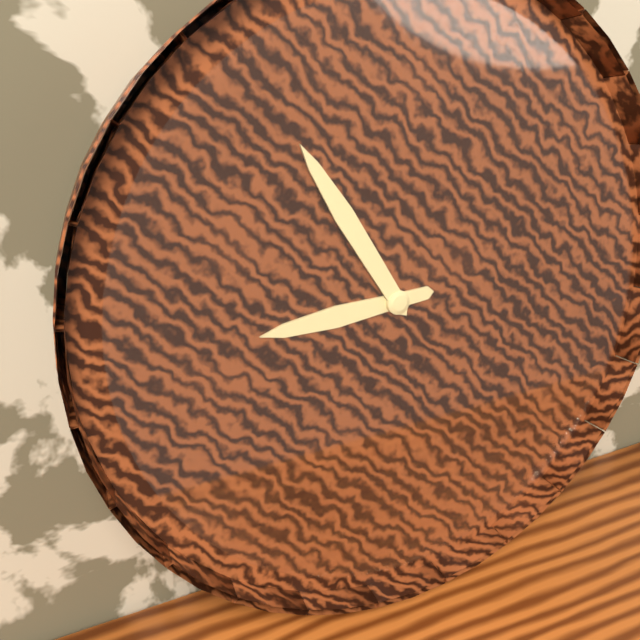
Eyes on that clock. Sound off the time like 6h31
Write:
8h55
